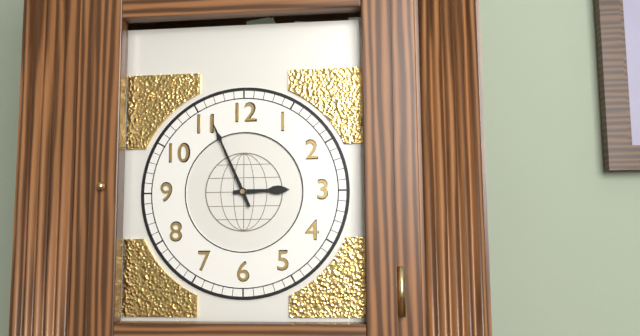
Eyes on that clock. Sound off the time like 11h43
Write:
2h56
